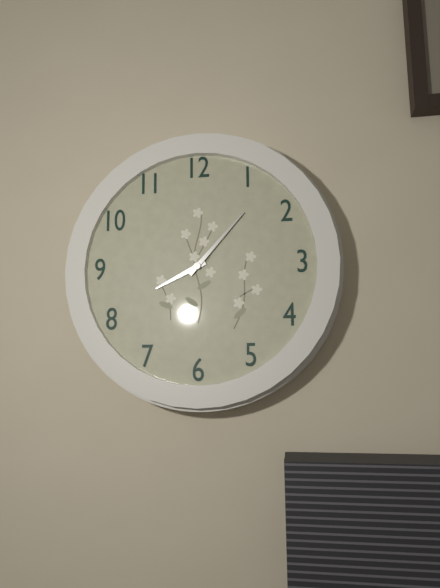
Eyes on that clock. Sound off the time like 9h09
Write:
8h07
